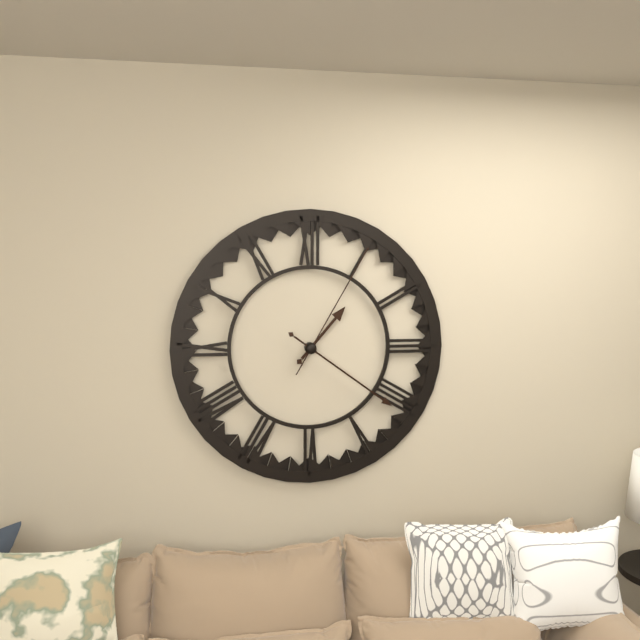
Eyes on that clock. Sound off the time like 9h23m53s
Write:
1h21m05s
